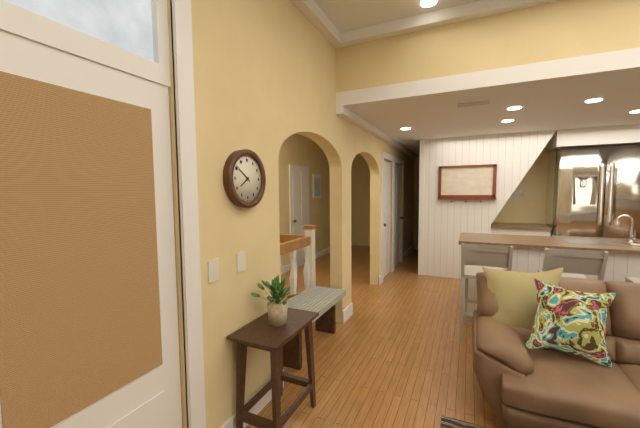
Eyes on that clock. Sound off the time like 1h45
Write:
7h51
